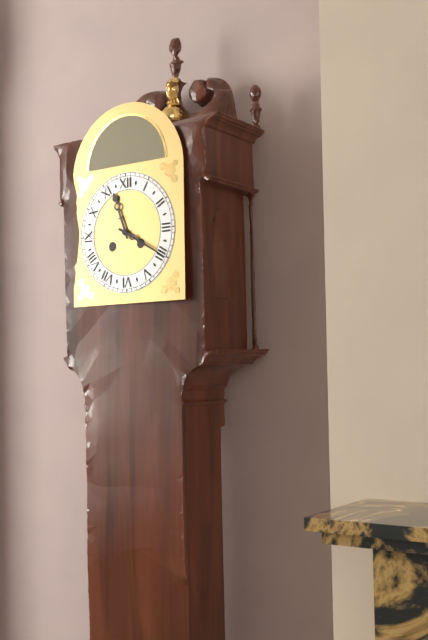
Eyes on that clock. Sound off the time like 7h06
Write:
11h20
